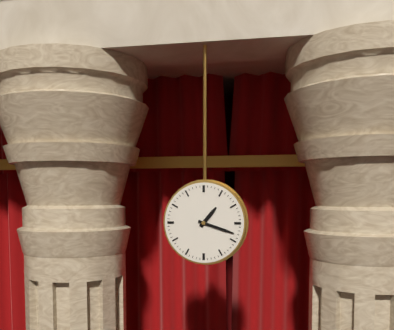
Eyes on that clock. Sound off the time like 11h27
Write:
1h18
